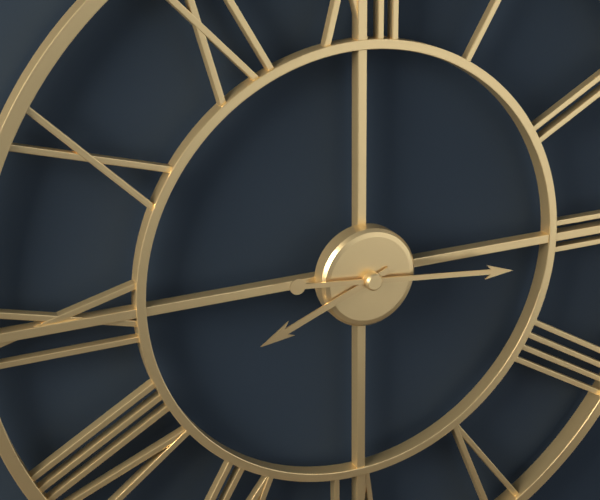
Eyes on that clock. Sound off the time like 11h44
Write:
8h16
